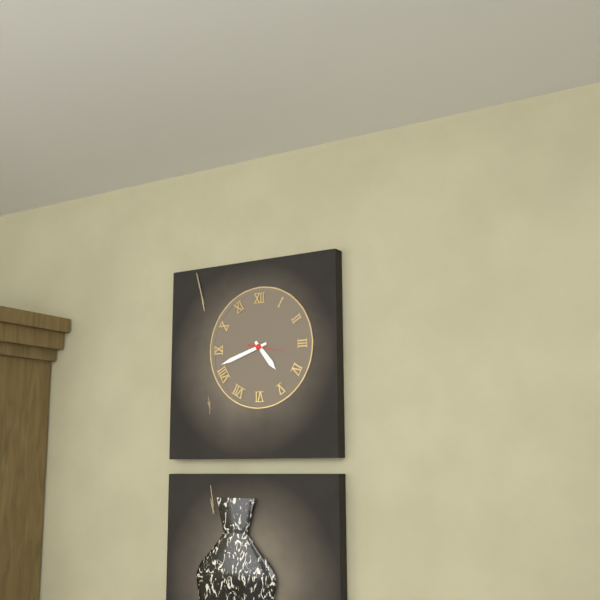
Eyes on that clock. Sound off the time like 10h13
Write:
4h42
